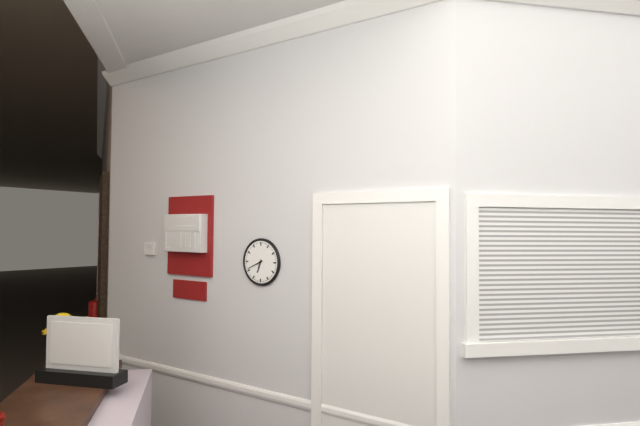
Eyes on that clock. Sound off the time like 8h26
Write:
6h41
